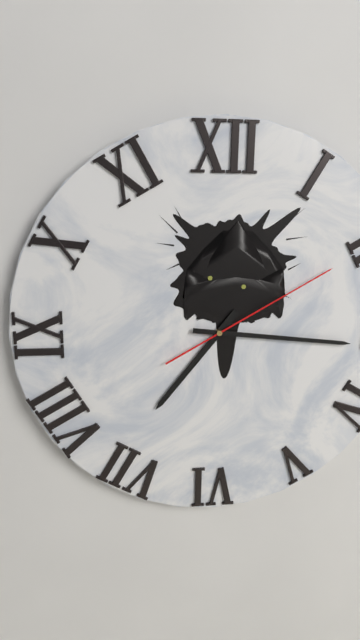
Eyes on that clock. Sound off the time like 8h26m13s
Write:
7h16m10s
